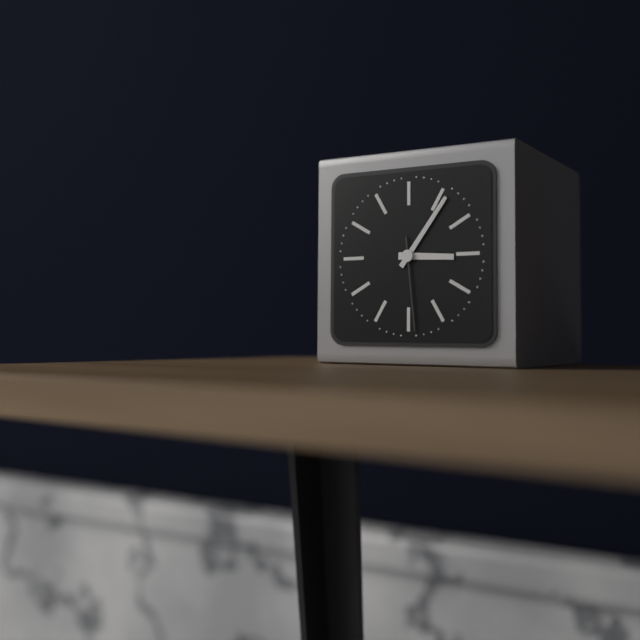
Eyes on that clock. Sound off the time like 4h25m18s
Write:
3h06m29s
